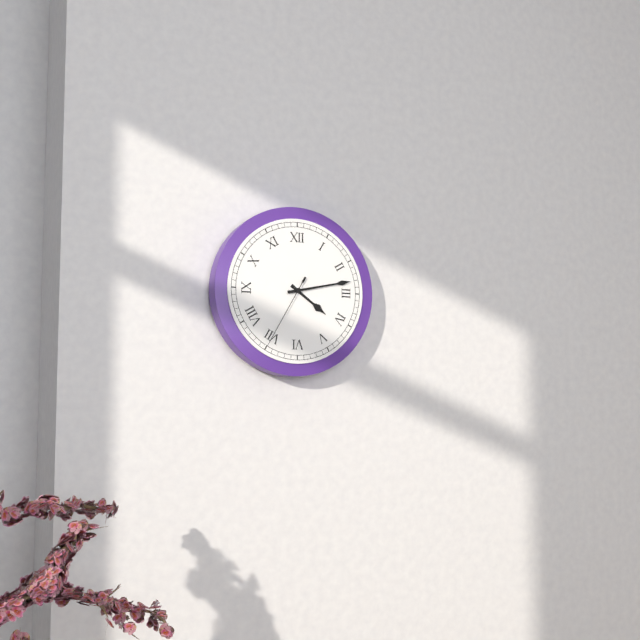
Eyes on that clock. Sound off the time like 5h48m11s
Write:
4h13m35s
